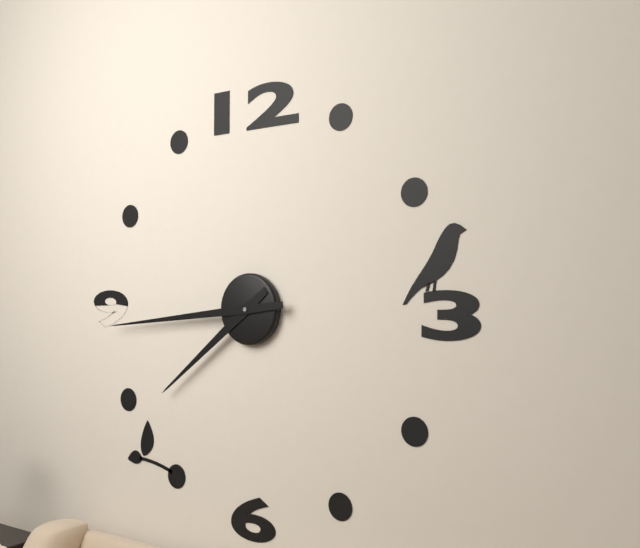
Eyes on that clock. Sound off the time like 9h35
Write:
7h44
